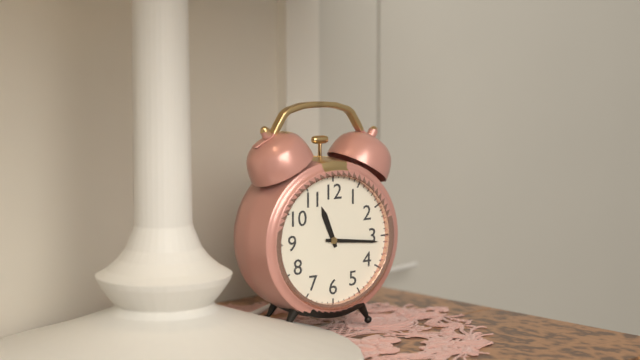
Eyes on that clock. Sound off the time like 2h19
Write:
11h16
